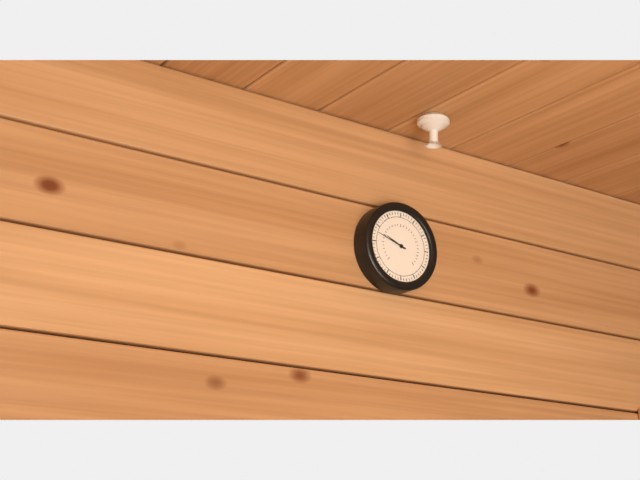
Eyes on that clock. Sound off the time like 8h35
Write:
9h48
